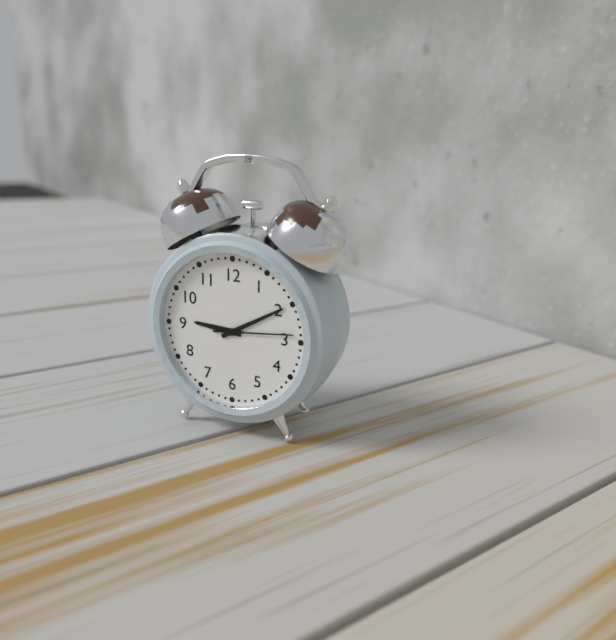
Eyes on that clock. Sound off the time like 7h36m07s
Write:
9h10m14s
